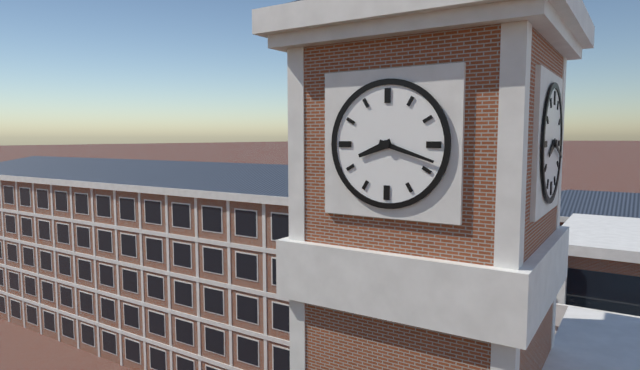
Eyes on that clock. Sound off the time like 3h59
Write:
8h18
